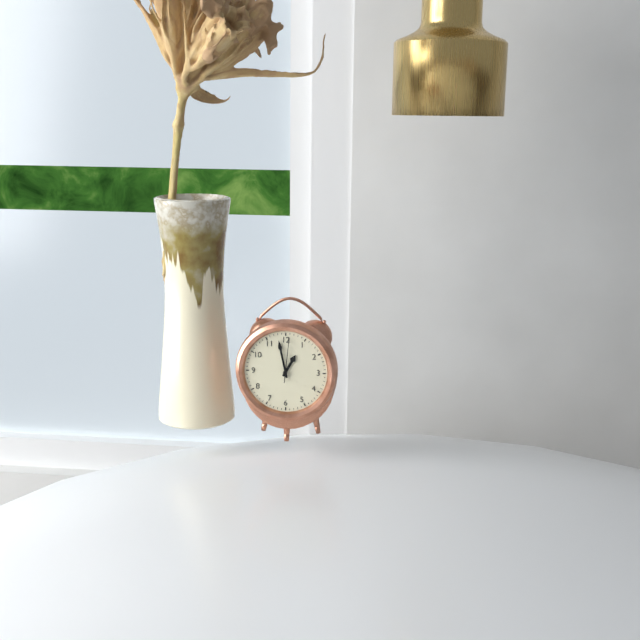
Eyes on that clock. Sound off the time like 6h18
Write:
12h58
